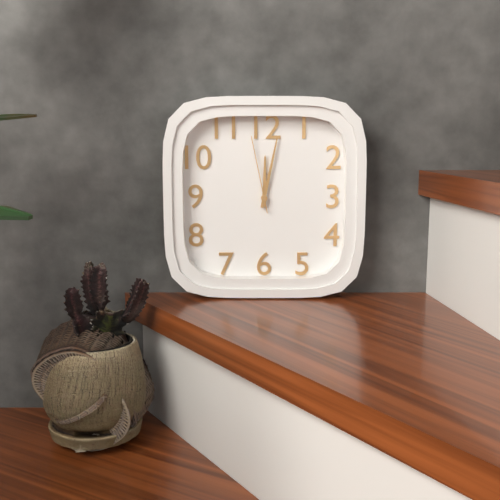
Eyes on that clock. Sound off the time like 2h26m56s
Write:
12h02m58s
